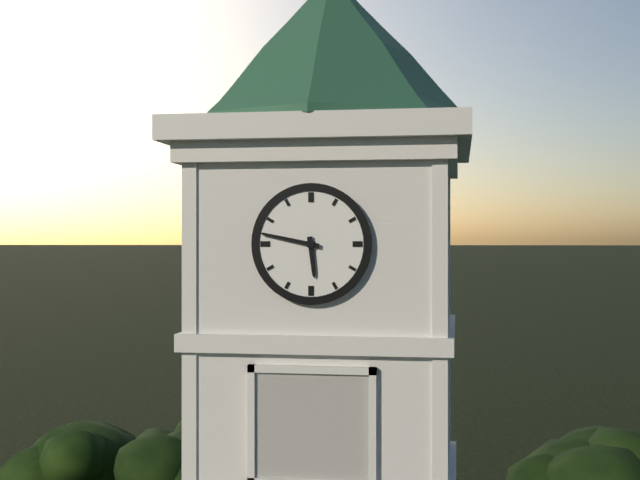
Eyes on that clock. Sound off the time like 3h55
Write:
5h47
